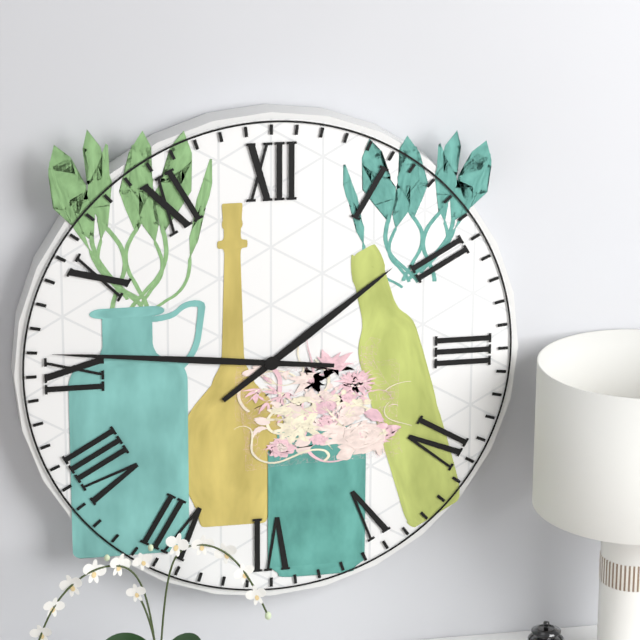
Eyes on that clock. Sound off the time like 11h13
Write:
1h46
